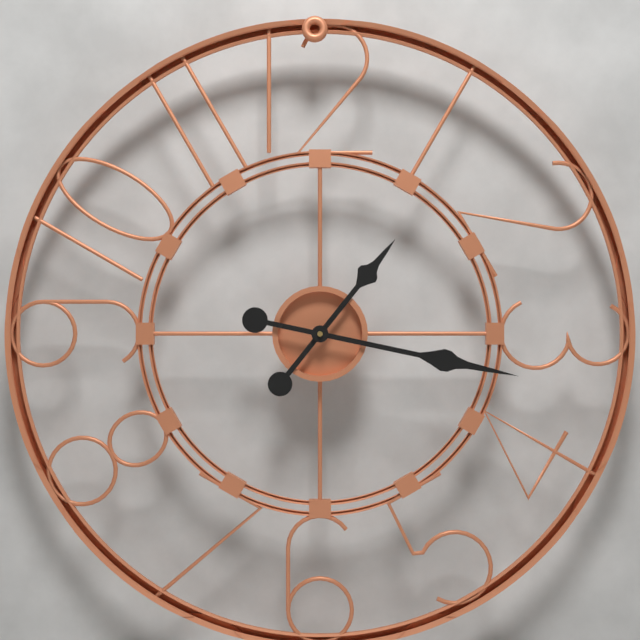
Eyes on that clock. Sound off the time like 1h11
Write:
1h17
